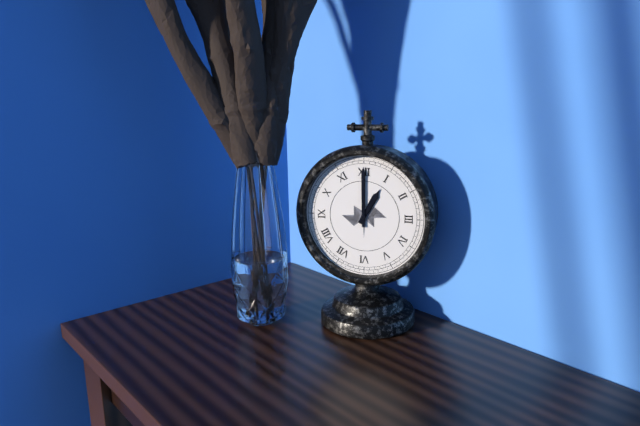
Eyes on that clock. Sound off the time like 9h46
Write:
1h00
